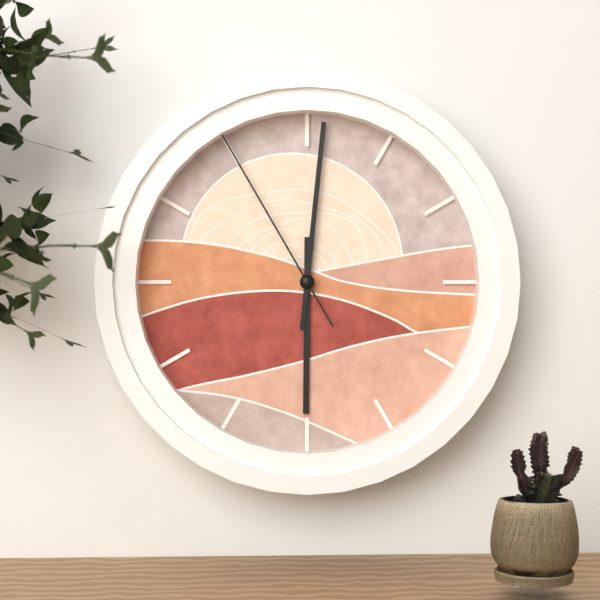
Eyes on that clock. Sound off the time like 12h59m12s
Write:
6h01m55s
